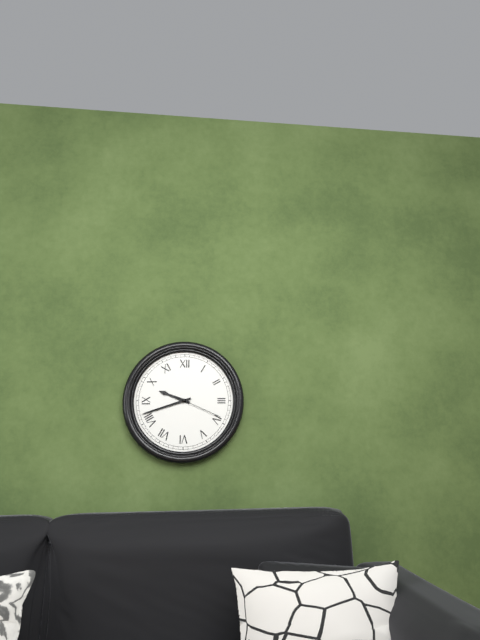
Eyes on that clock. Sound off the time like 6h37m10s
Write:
9h42m19s
